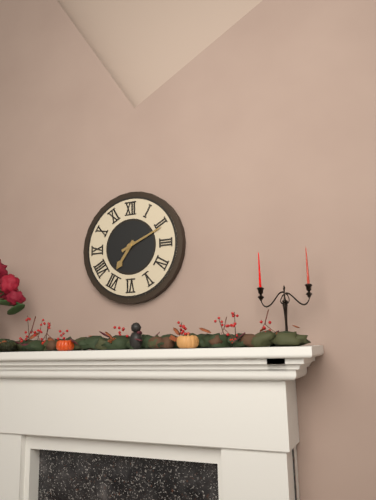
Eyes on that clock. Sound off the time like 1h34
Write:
7h11
